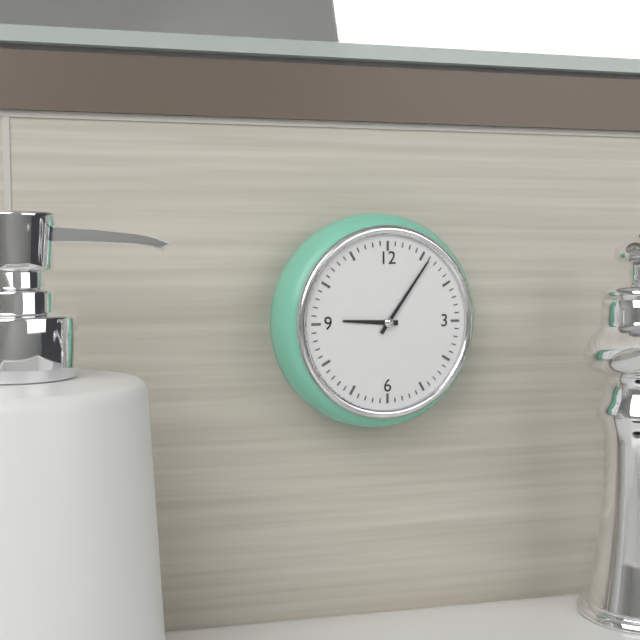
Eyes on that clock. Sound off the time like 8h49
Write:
9h06
